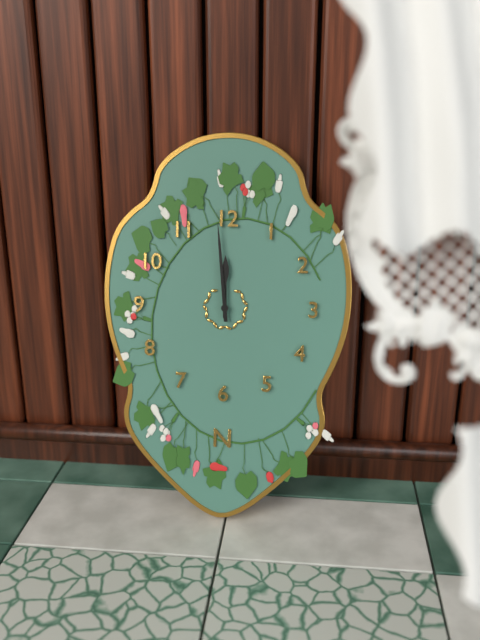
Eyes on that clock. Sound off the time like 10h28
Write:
11h59
